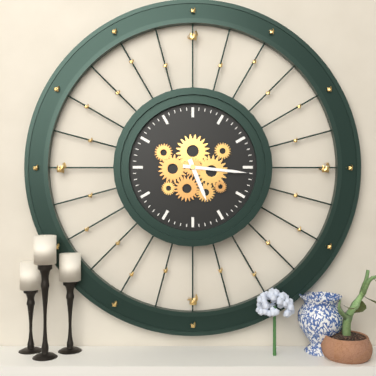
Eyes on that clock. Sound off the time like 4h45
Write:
5h16
